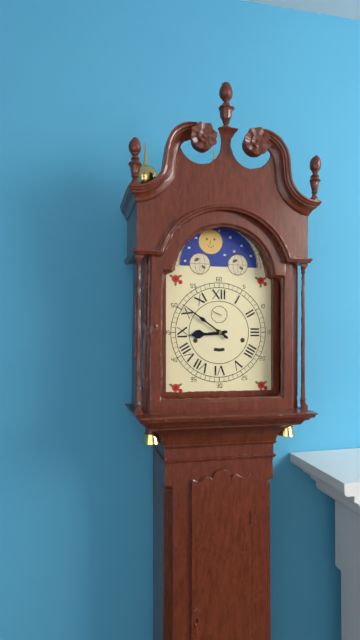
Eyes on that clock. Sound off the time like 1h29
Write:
8h51
